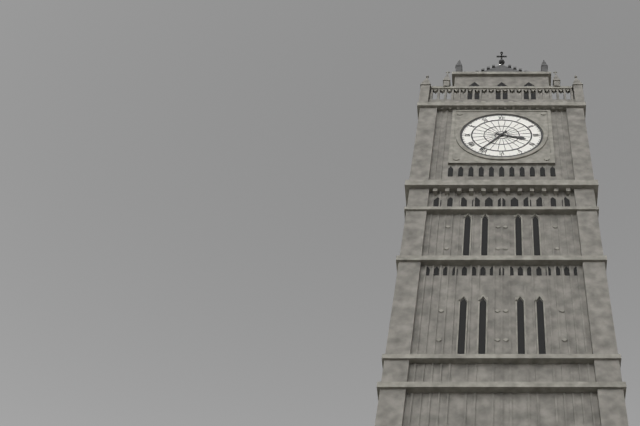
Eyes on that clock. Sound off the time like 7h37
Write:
3h36
